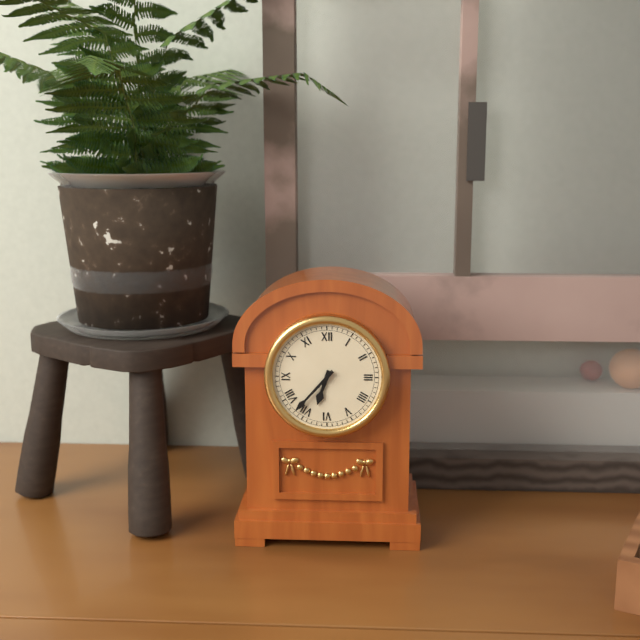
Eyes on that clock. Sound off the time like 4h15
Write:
6h37
